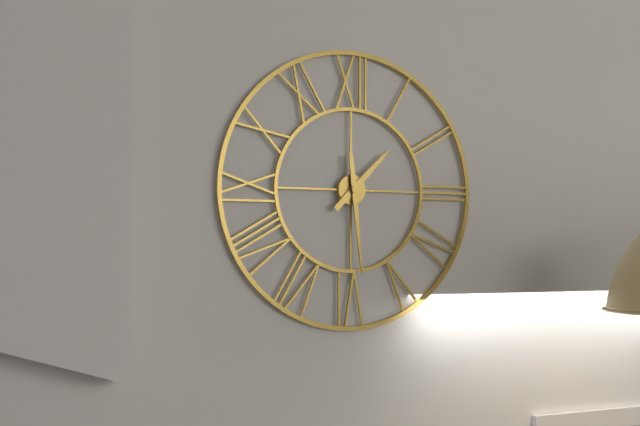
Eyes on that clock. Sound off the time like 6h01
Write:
1h29
